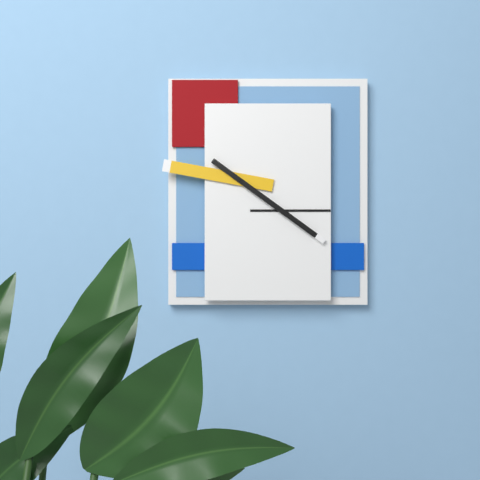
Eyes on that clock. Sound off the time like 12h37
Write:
9h21
